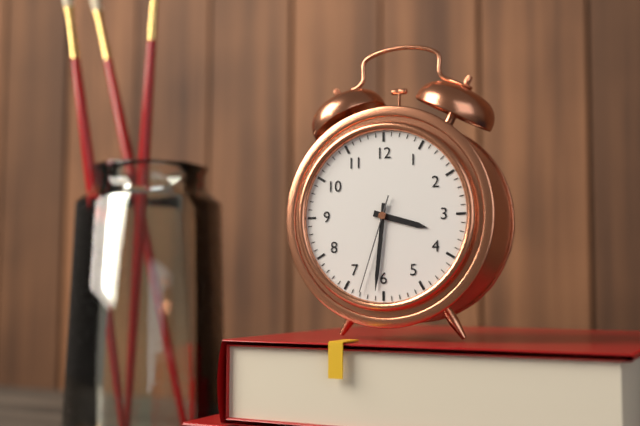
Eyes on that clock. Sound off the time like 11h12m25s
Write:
3h31m33s
